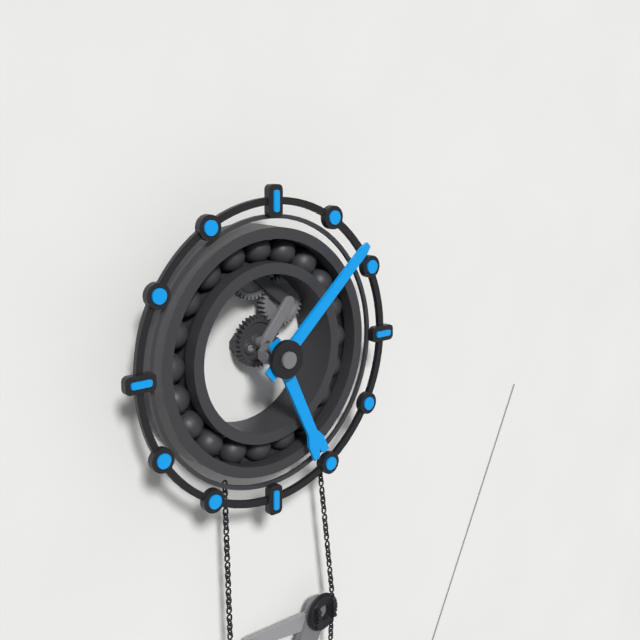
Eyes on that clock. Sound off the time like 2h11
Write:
5h08
